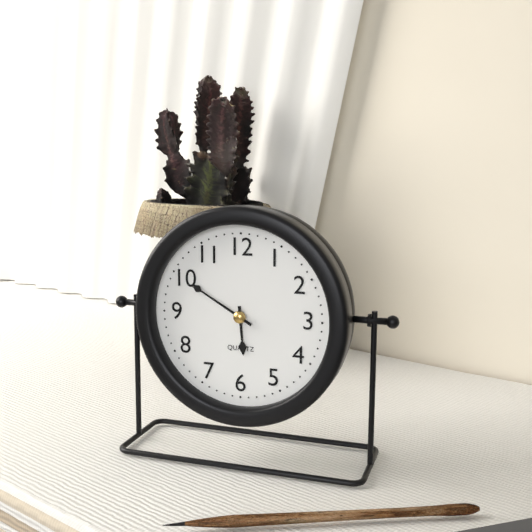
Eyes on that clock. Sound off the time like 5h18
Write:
5h50
